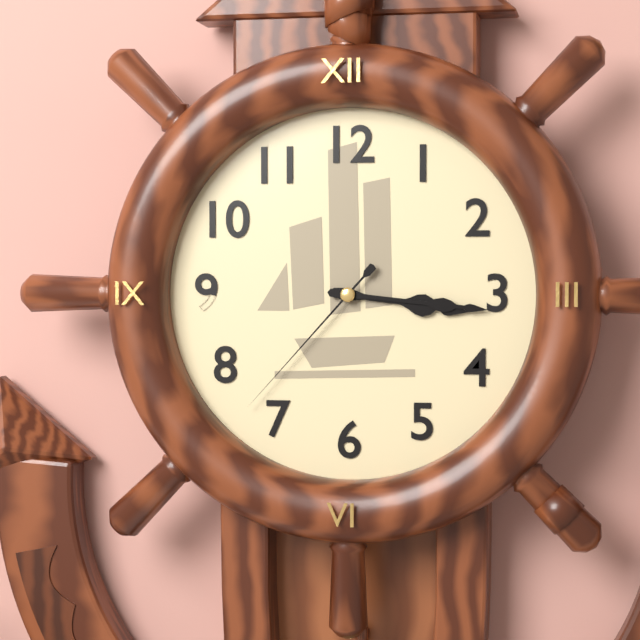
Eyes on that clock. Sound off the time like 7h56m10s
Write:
3h16m37s
